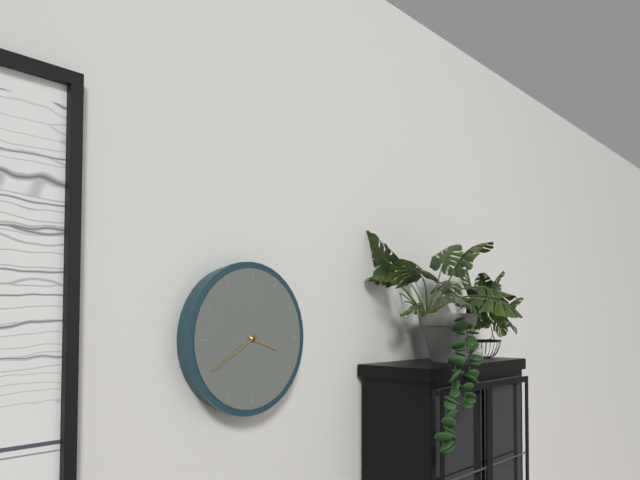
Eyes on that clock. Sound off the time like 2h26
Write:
3h40
